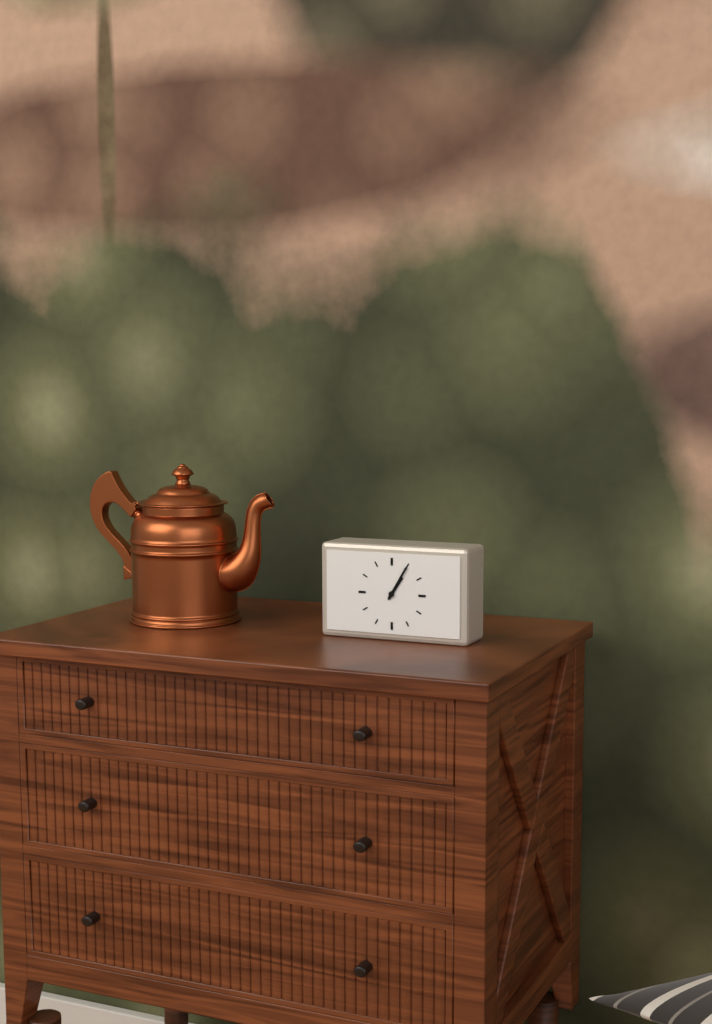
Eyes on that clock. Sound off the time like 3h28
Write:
1h05
